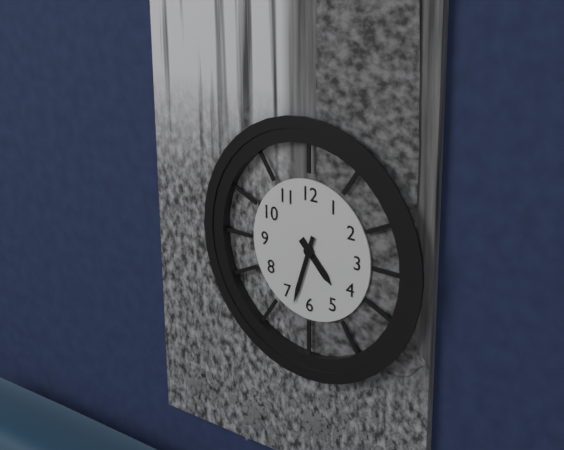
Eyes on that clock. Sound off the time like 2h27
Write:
4h33
